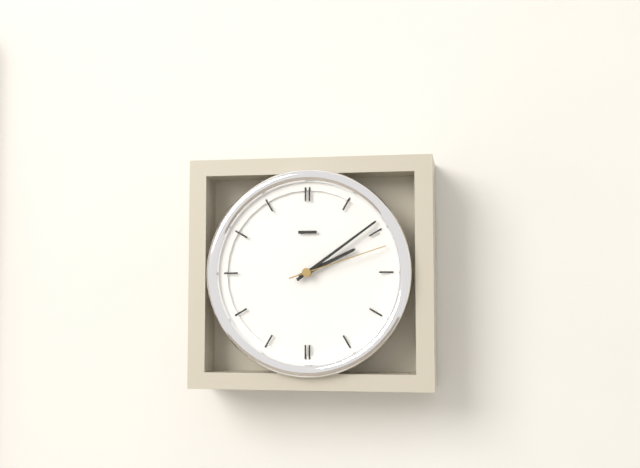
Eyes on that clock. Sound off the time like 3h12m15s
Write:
2h09m12s
